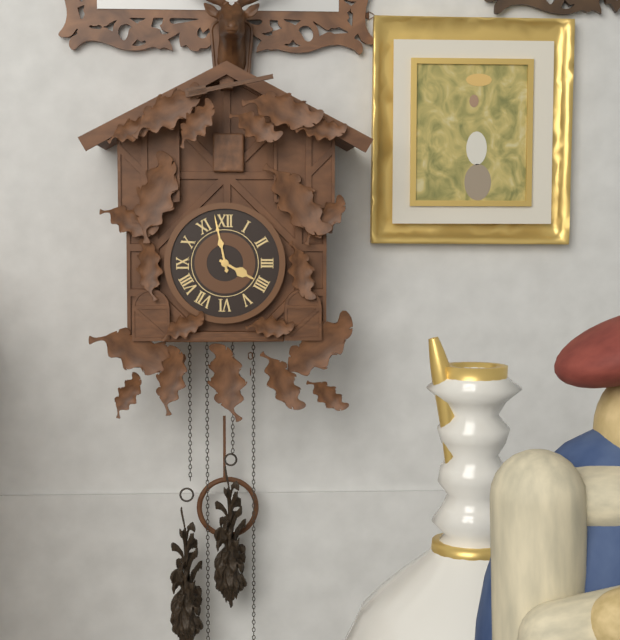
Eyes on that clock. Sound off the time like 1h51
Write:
3h58
